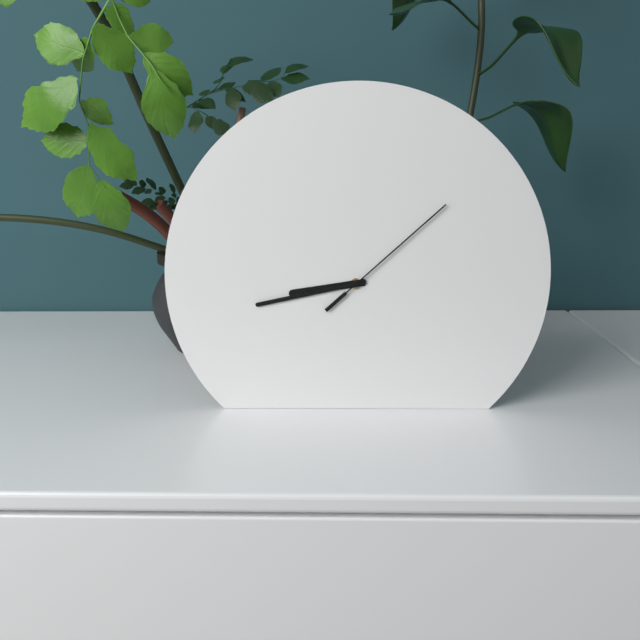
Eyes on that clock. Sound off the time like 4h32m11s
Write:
8h43m08s
